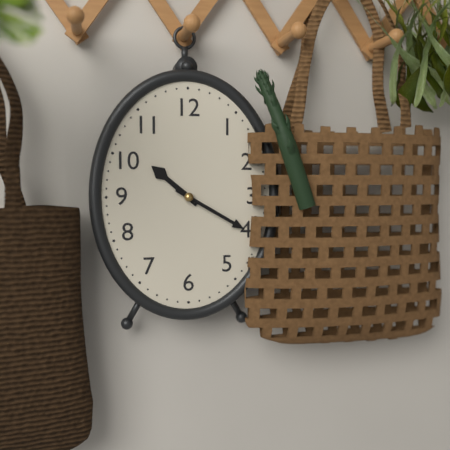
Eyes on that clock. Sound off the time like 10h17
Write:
10h20
